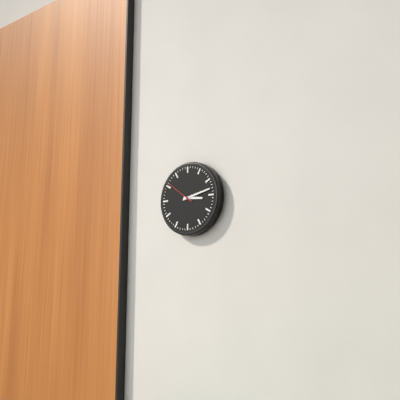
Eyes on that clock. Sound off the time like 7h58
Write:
3h13
